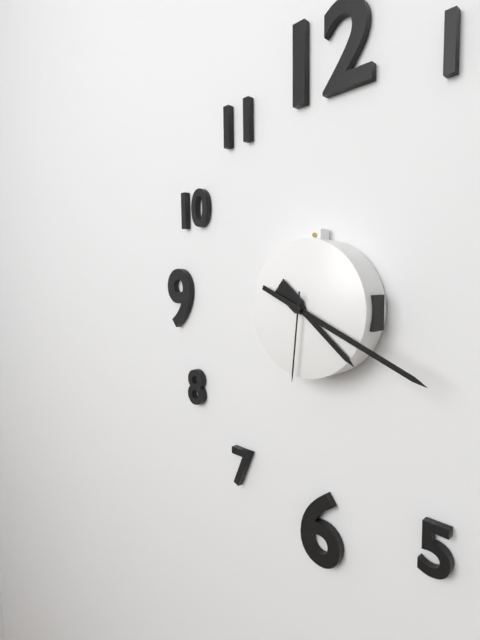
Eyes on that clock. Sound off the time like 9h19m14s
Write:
4h19m31s
